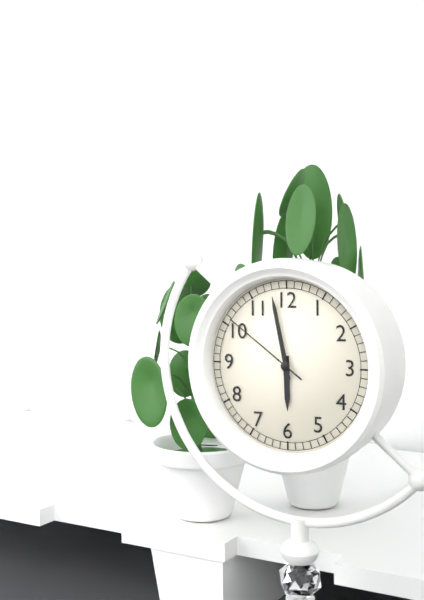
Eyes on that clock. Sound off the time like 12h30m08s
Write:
5h58m51s
